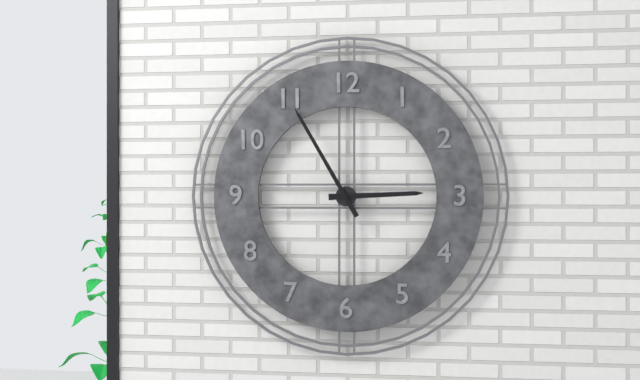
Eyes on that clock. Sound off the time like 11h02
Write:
2h55
